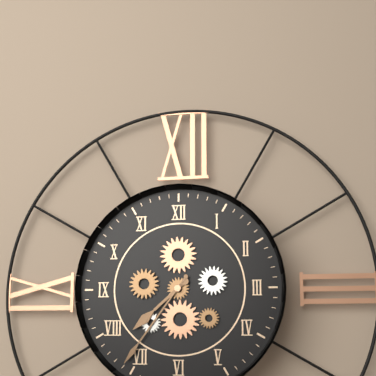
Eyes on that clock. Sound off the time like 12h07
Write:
7h36
